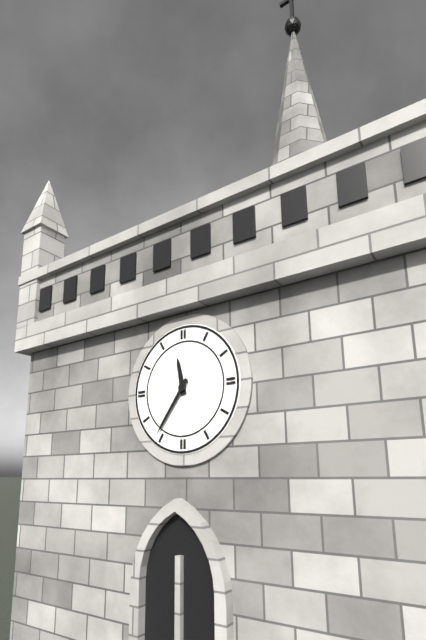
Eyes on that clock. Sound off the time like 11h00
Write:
11h36
